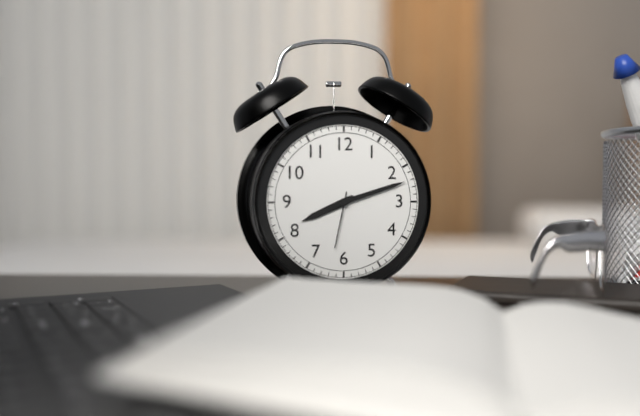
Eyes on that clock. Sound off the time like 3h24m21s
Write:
8h12m32s
